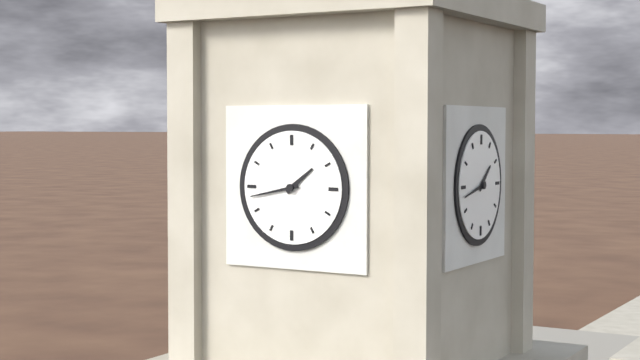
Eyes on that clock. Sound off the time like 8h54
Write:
1h43
